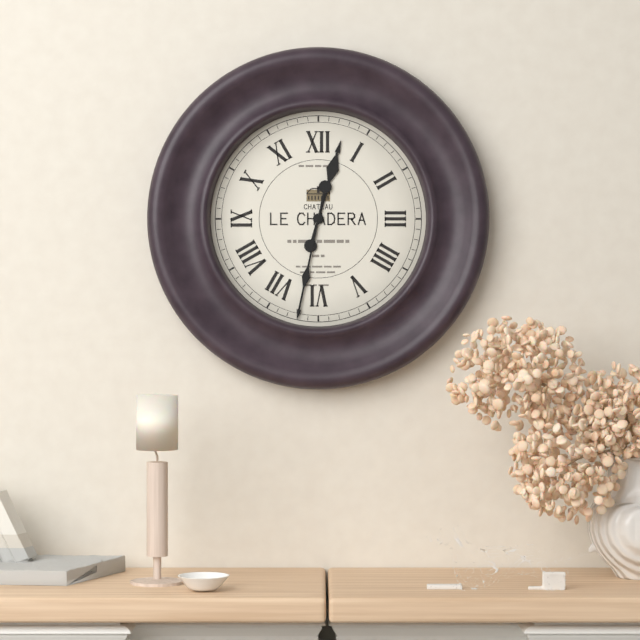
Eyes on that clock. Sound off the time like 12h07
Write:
12h32
